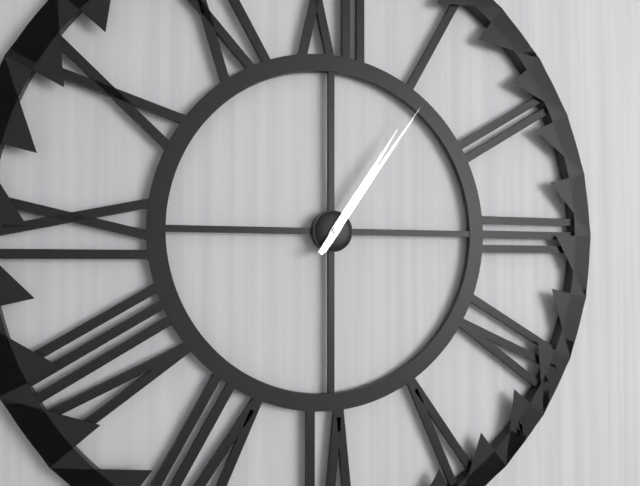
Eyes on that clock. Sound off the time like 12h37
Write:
1h06
